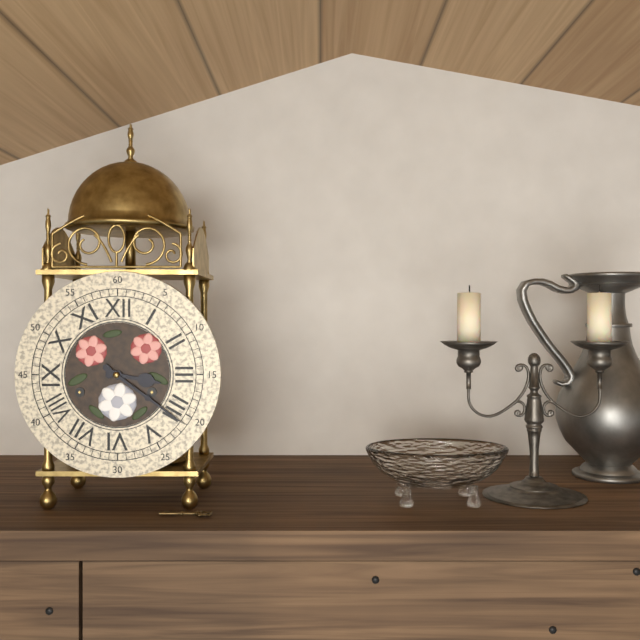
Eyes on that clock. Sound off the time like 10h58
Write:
3h21
